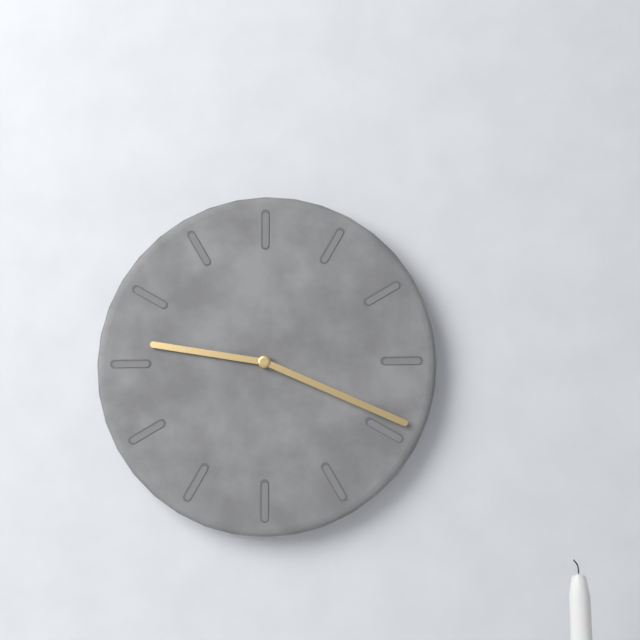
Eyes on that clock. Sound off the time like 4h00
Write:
9h19
